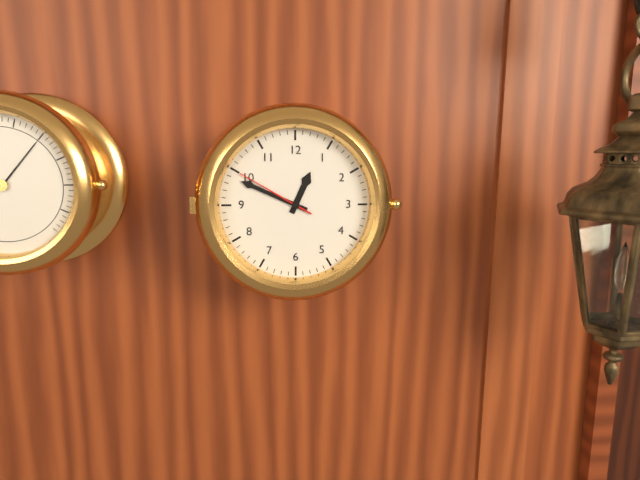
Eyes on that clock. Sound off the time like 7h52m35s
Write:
12h49m50s
